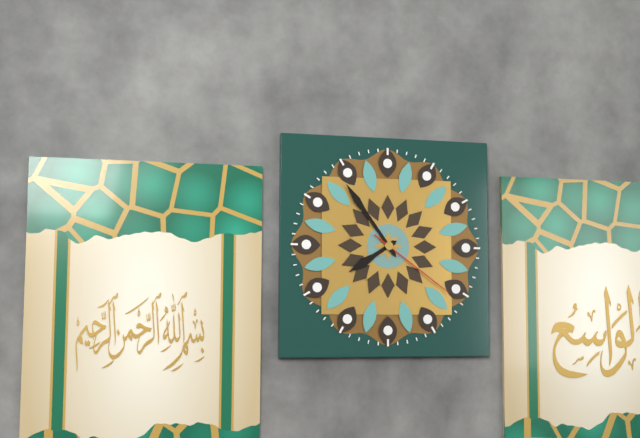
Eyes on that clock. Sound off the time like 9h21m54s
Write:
7h54m21s
